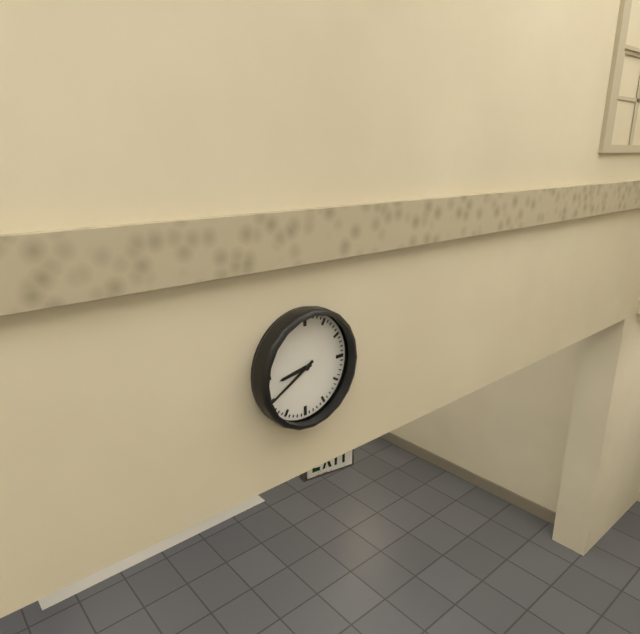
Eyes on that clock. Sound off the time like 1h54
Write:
8h40
